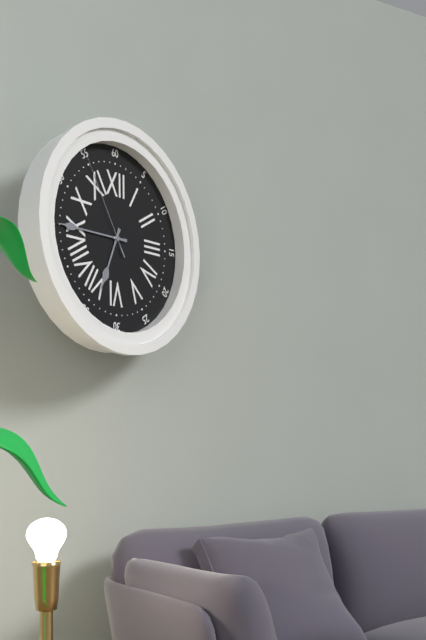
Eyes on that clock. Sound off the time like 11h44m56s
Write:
6h45m55s
